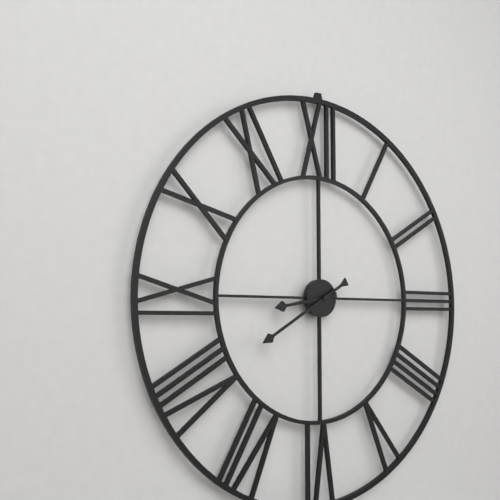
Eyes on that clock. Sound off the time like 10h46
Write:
8h40
